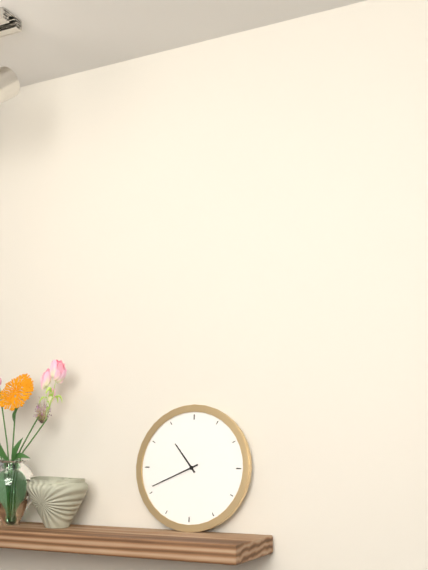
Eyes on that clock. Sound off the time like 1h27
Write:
10h41
